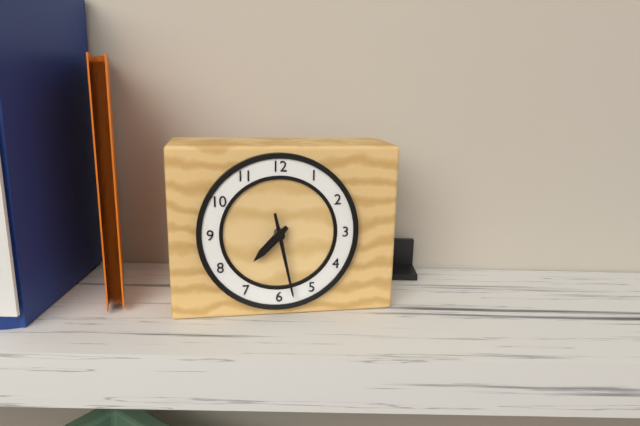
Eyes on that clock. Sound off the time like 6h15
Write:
7h28
